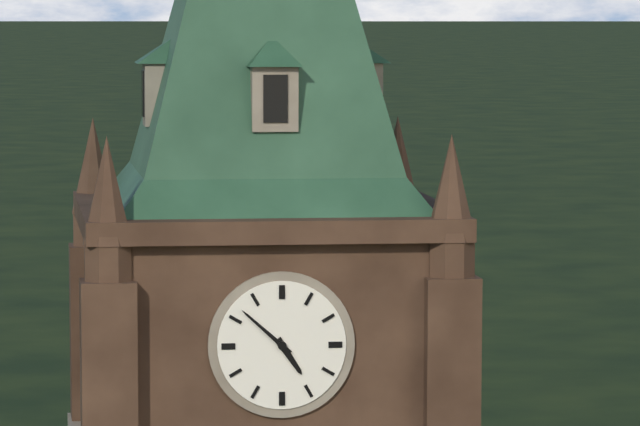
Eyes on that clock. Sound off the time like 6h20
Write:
4h52
